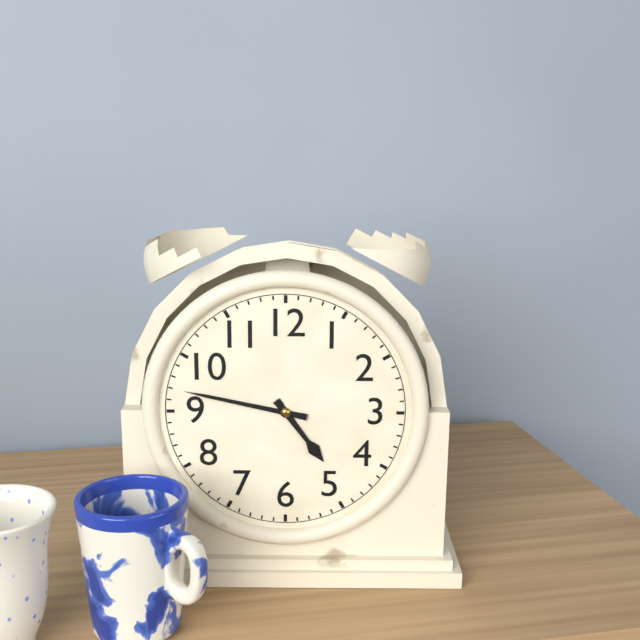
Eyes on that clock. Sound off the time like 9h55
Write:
4h47
